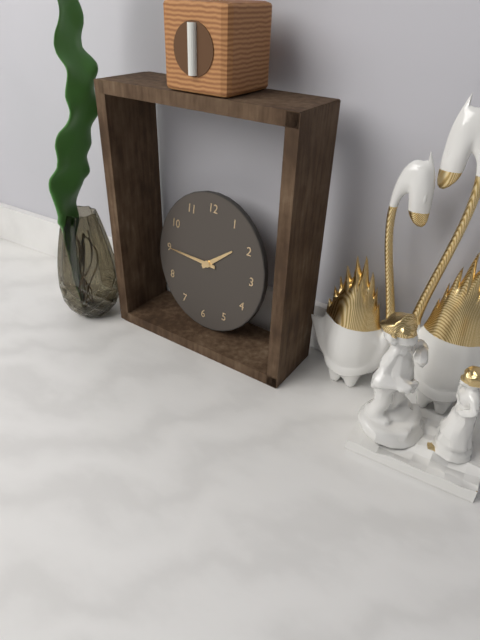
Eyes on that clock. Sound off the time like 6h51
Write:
1h45
